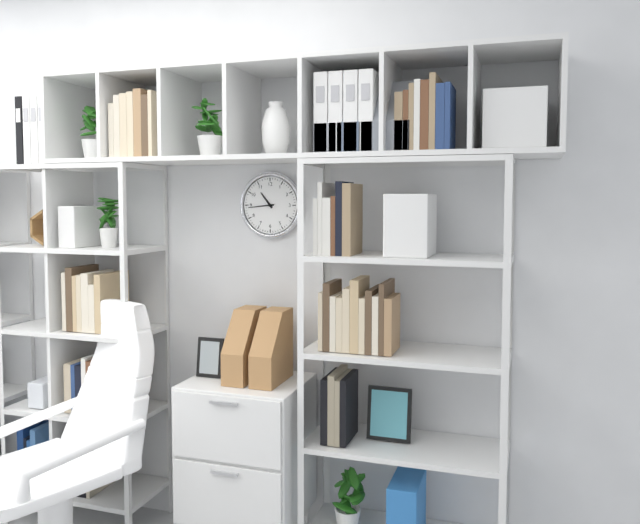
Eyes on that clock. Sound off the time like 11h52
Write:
10h44
